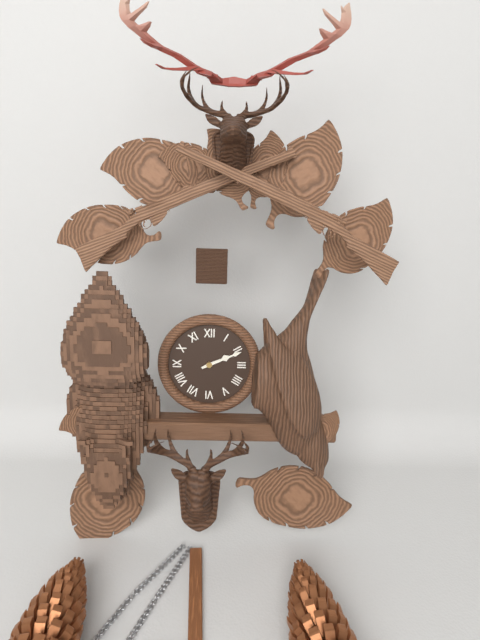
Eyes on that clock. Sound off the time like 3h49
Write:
2h11
